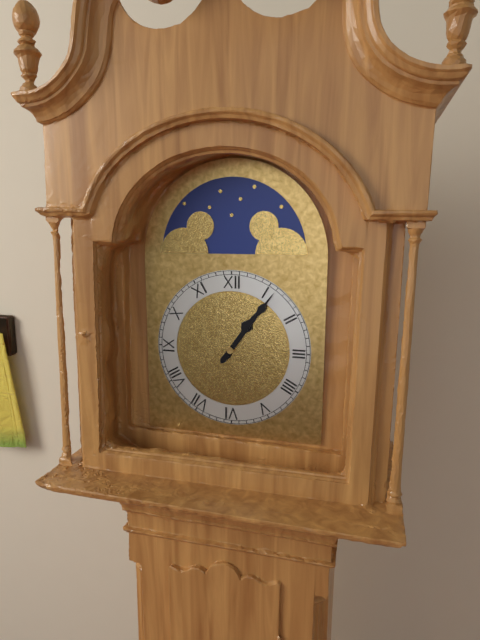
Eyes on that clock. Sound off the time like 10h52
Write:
1h06
